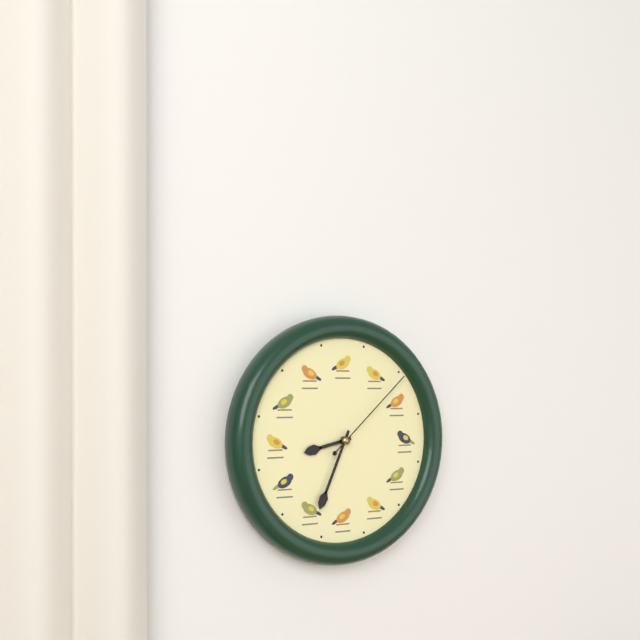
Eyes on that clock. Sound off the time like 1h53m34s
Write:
8h34m08s
